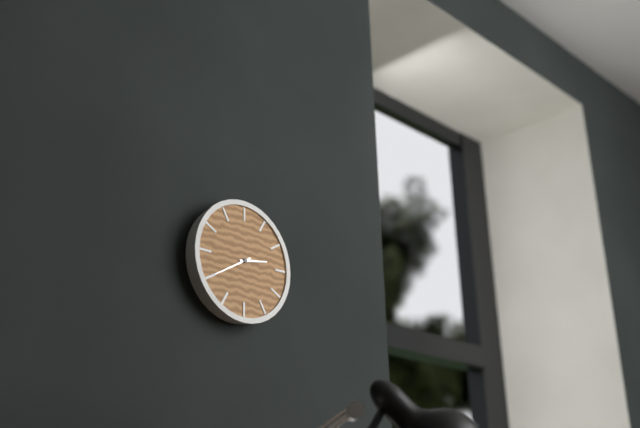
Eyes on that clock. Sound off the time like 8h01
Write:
2h40
